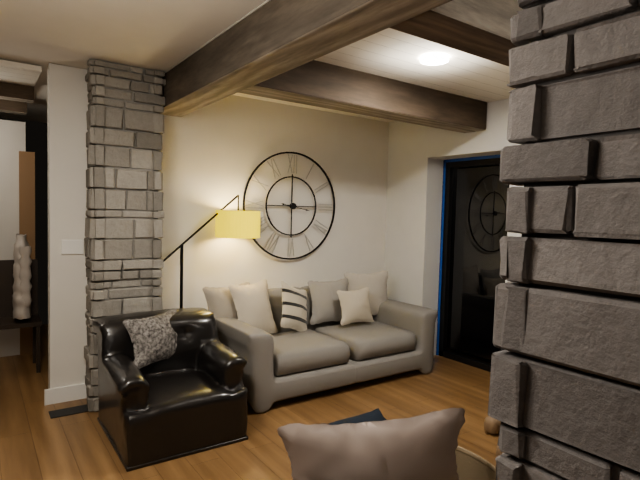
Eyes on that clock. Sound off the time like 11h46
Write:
9h17
